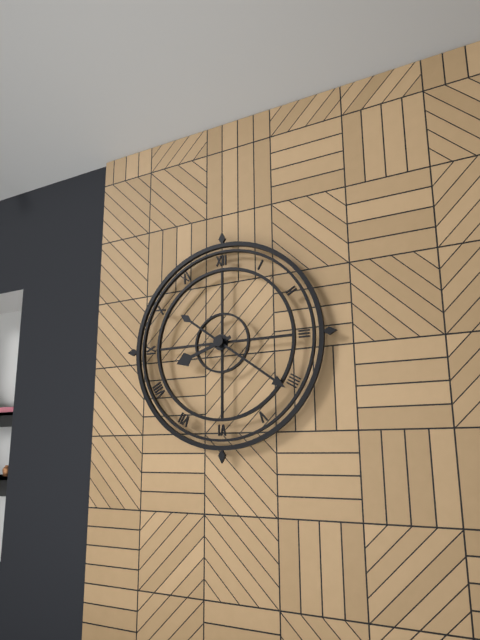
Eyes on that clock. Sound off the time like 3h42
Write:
8h21
